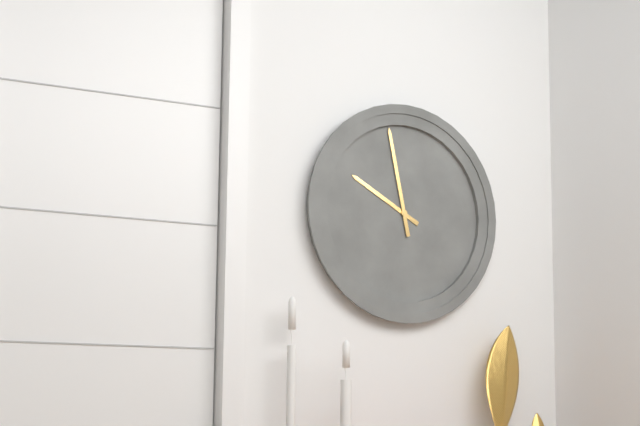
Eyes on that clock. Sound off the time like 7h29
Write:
9h58
